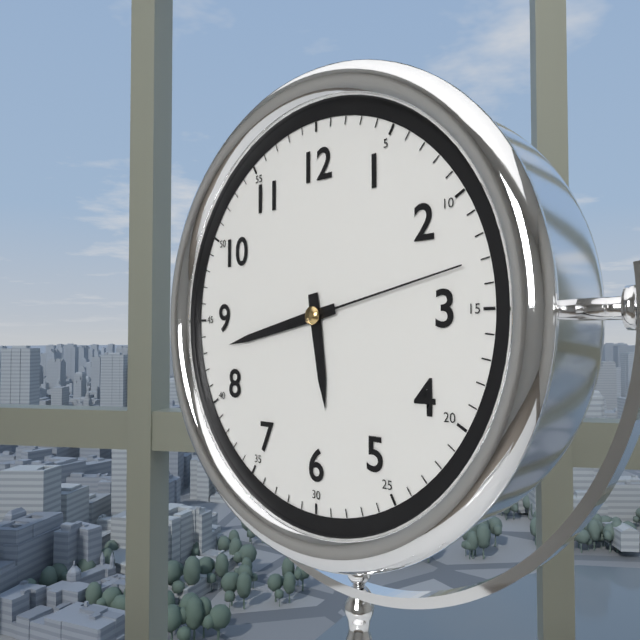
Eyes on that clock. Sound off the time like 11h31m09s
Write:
5h43m13s
